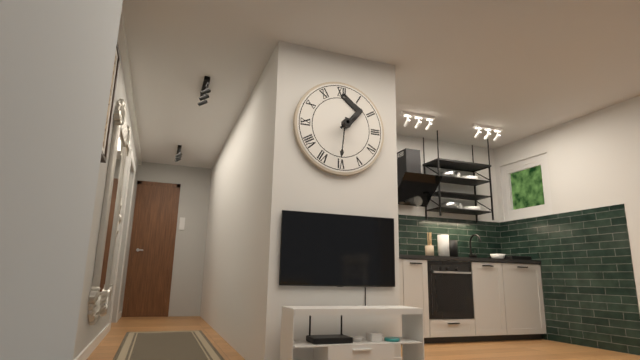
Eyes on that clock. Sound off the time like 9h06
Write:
1h31
